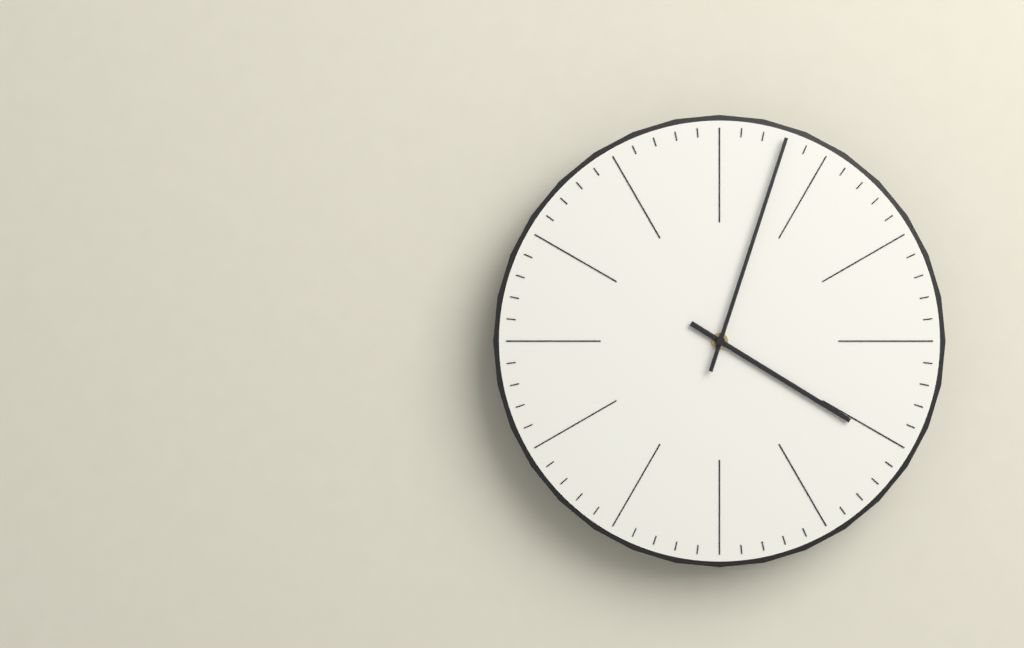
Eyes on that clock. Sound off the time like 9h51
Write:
4h03
